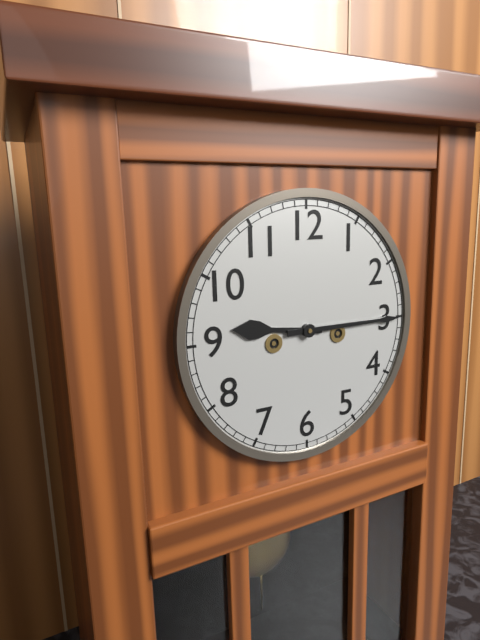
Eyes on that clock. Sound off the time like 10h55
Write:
9h15
